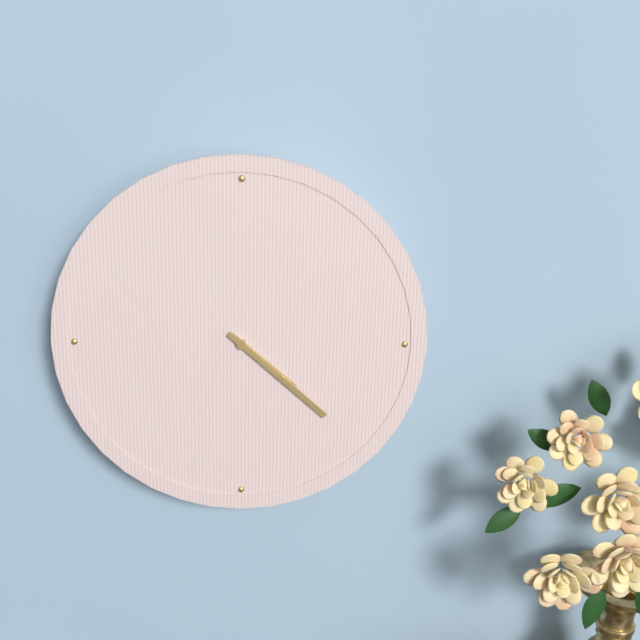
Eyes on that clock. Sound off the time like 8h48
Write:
4h22
